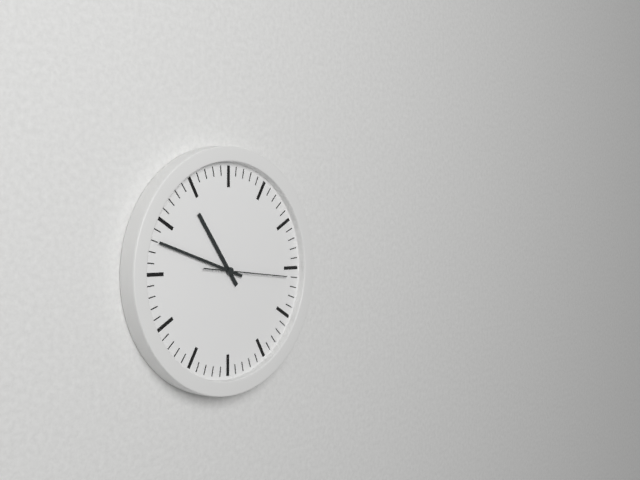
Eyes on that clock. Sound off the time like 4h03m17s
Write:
10h48m16s
